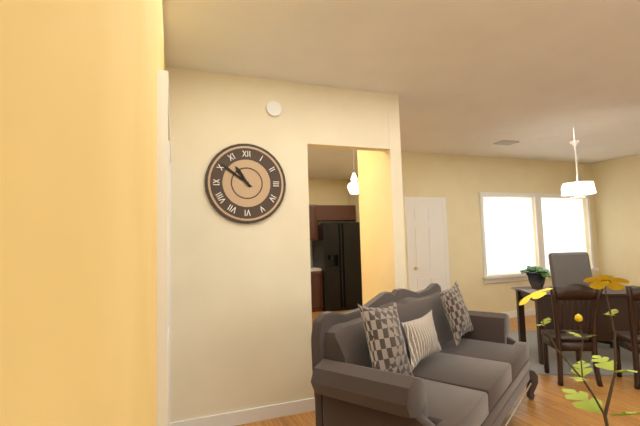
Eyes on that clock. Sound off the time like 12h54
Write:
10h51
